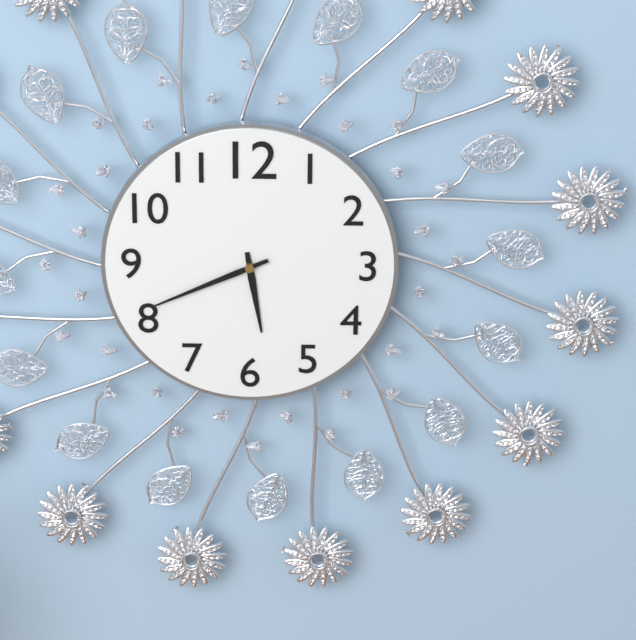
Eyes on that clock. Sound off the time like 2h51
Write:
5h41
